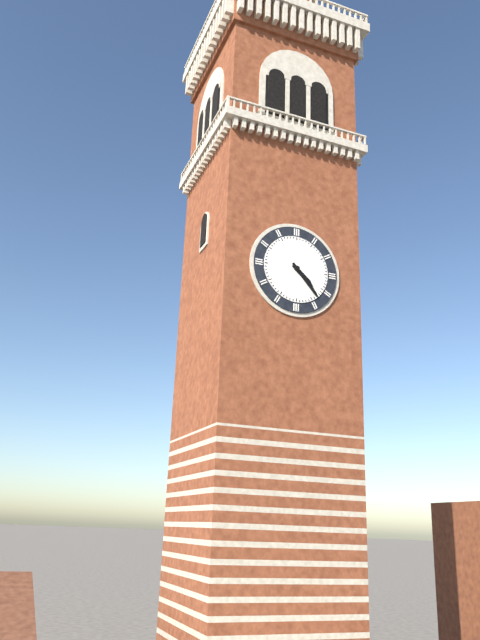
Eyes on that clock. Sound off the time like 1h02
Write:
4h23
